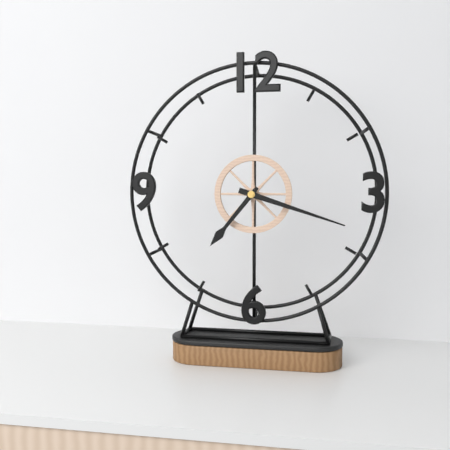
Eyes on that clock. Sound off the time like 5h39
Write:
7h18
